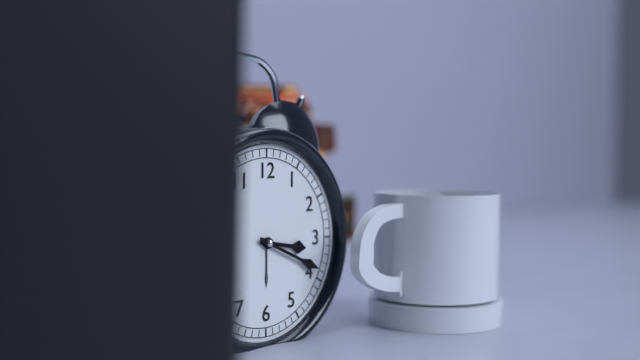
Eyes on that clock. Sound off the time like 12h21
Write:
3h19
